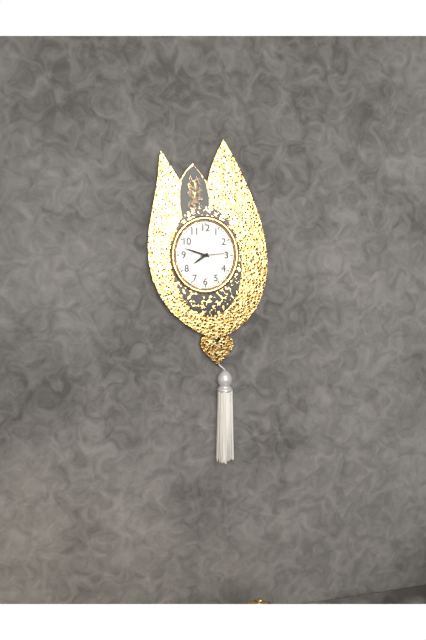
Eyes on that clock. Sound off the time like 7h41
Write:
7h48
